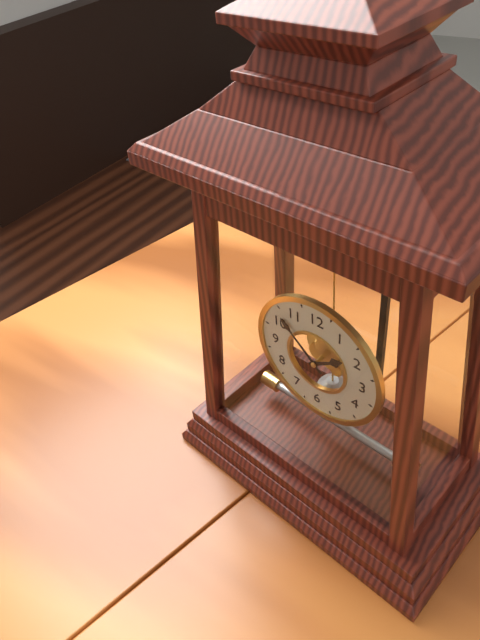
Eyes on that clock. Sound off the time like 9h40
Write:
1h52
